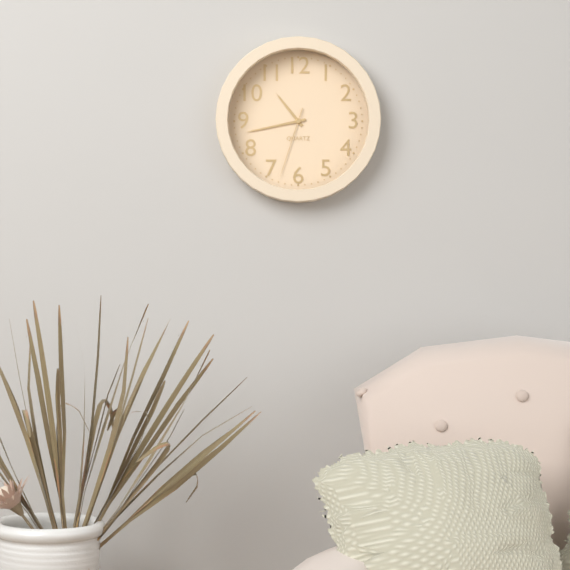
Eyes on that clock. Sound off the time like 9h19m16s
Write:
10h43m33s
